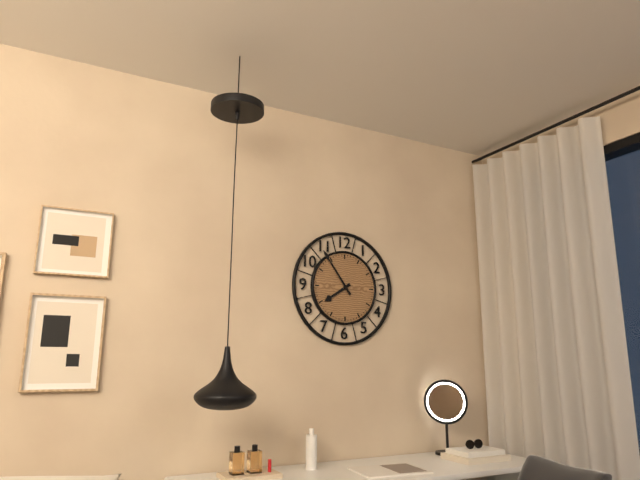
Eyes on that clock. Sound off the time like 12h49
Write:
7h54
